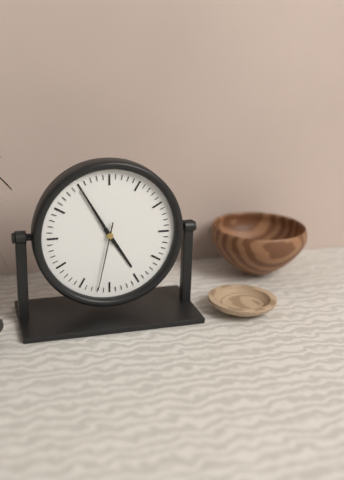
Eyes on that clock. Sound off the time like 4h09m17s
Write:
4h55m32s
